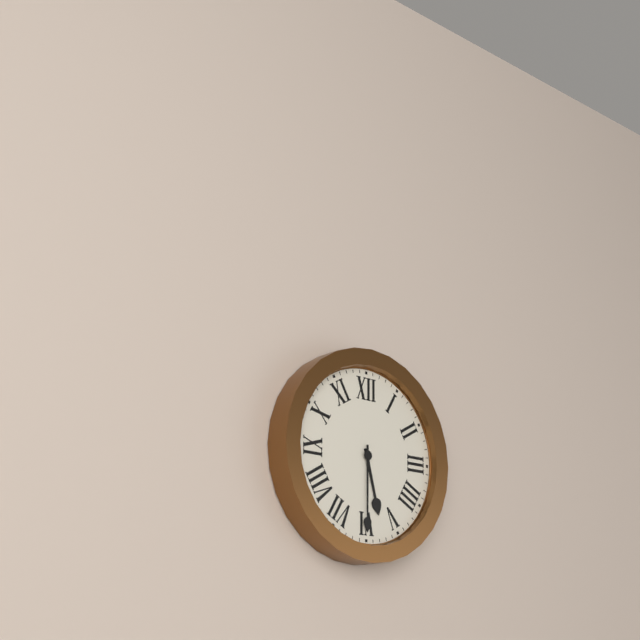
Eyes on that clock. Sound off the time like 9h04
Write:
5h30
